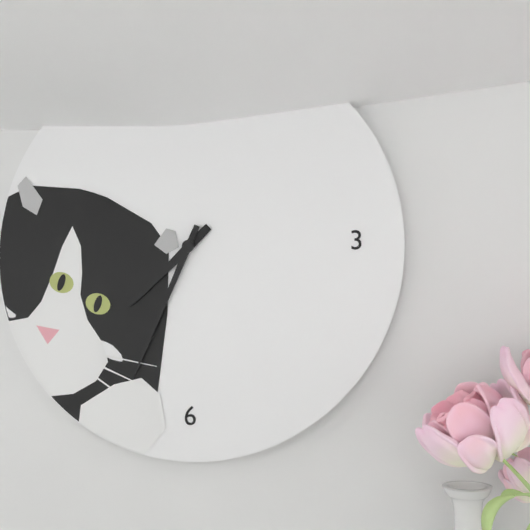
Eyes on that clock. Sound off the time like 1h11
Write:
7h34
